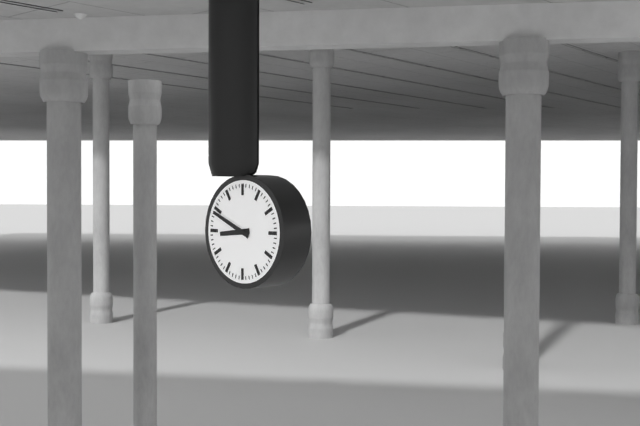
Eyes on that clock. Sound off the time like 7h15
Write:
8h49
